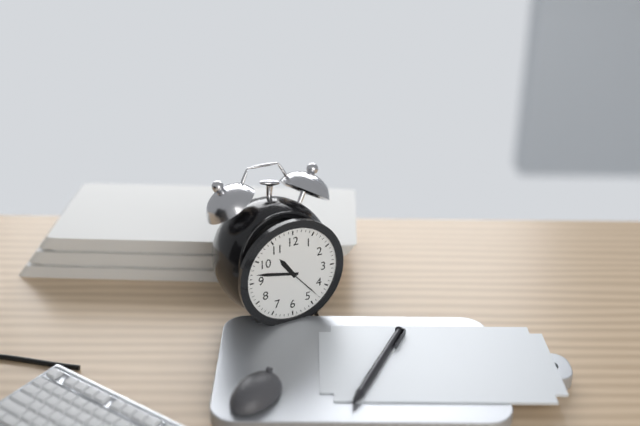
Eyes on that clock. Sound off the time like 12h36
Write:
10h47
